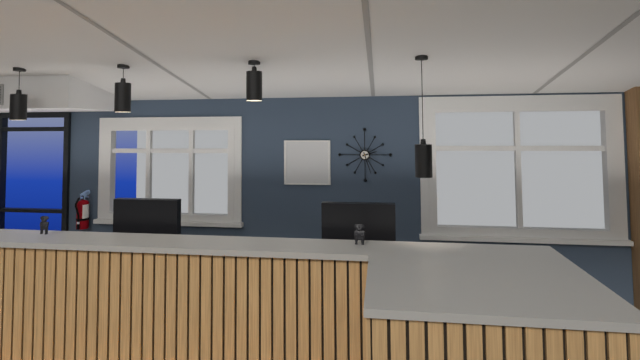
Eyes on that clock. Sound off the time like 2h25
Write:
2h27
